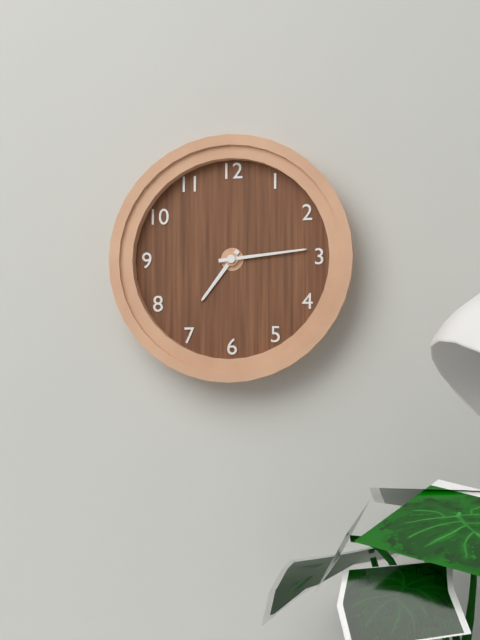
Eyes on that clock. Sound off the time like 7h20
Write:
7h14
